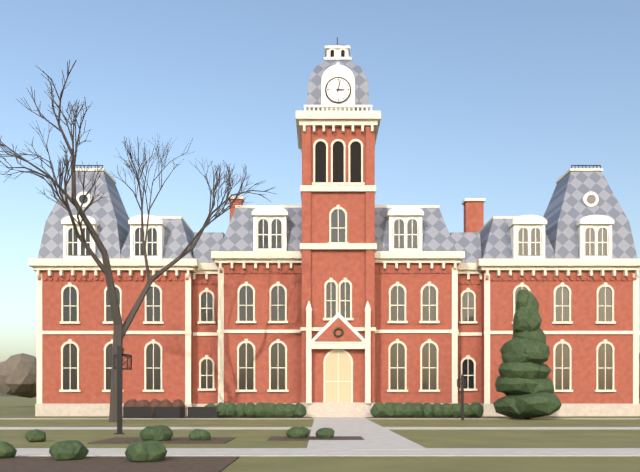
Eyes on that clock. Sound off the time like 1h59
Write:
3h02
